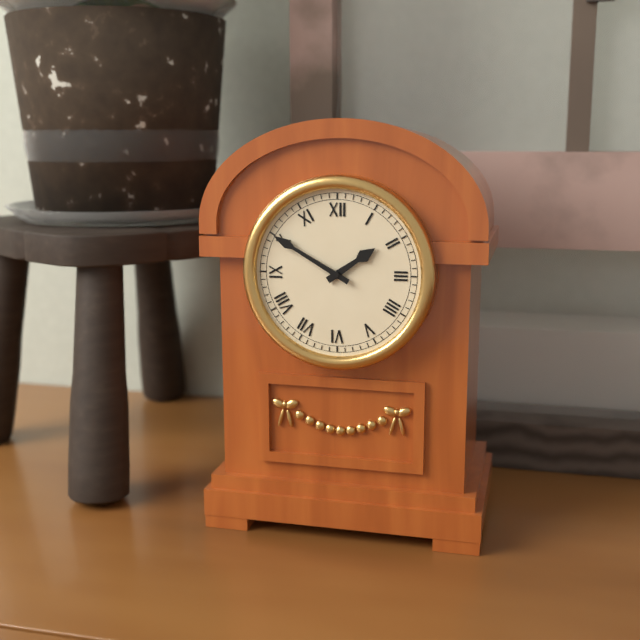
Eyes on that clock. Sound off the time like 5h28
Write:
1h50
